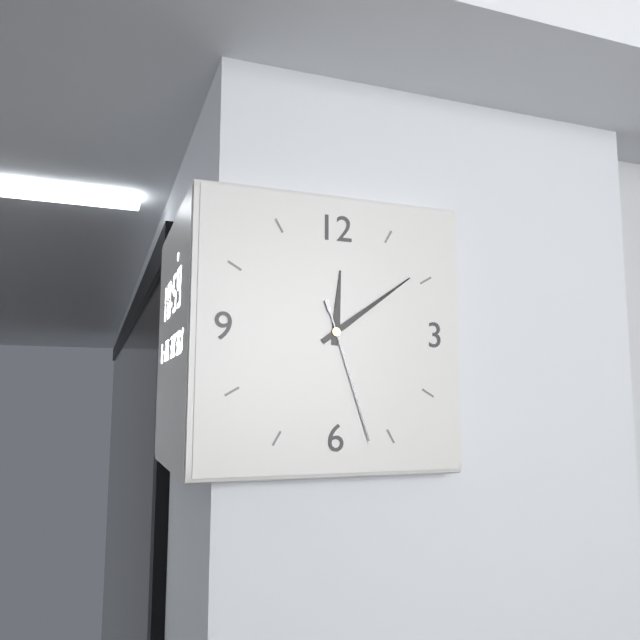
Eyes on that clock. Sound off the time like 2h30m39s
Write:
12h09m27s
